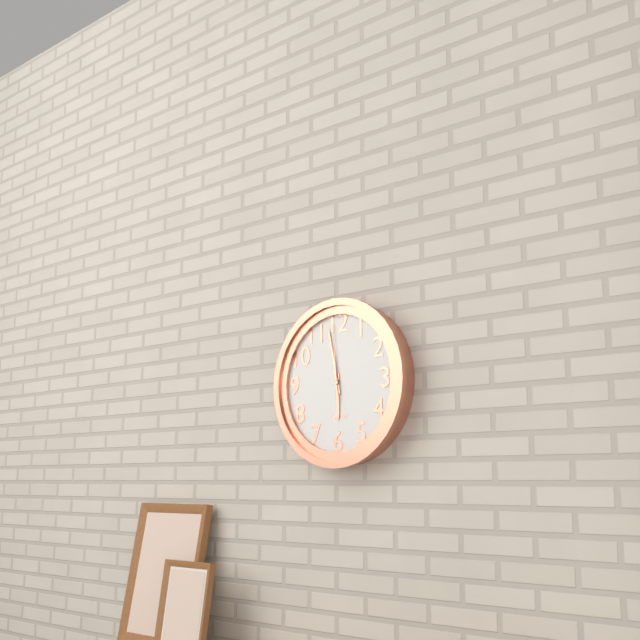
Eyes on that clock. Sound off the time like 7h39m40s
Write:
5h58m59s
